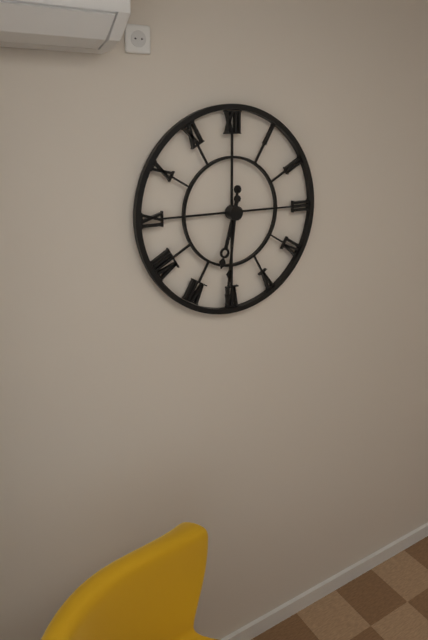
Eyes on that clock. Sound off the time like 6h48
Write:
6h31
